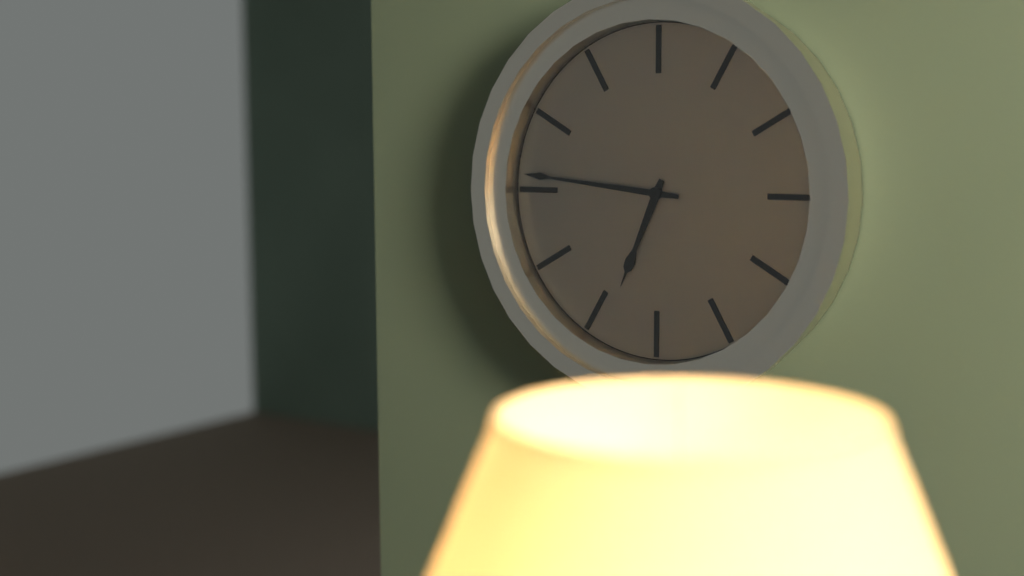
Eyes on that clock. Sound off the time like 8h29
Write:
6h46
